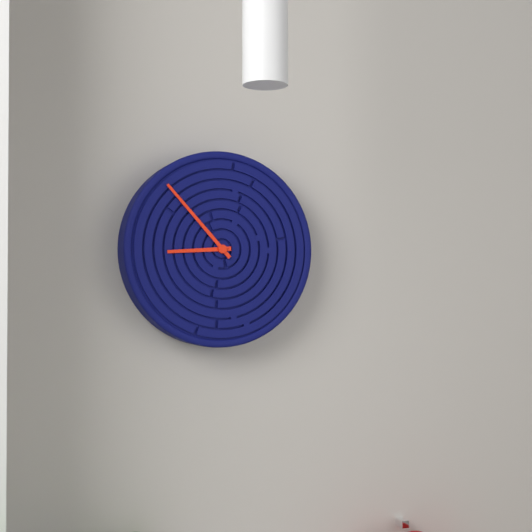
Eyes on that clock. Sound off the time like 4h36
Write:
8h53
